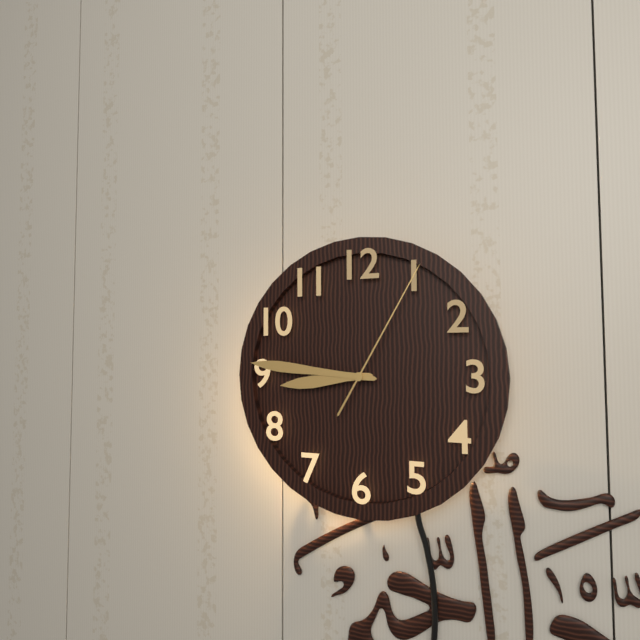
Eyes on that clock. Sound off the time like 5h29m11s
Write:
8h46m05s
